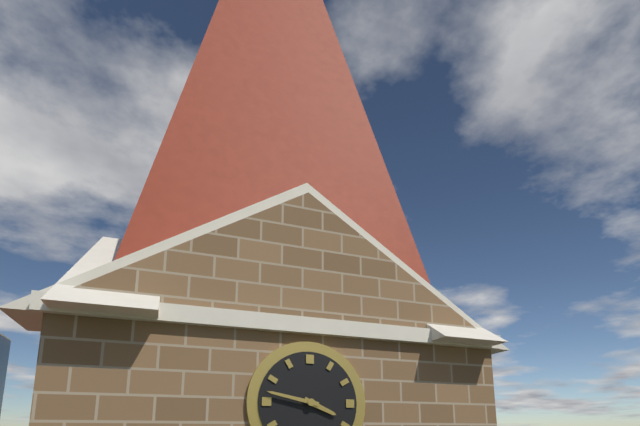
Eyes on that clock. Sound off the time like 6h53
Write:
3h47
